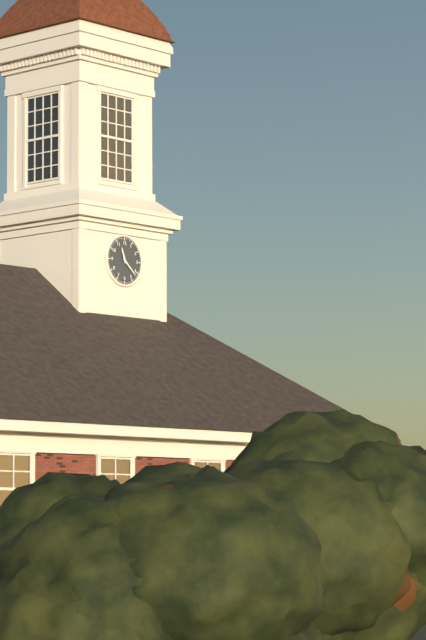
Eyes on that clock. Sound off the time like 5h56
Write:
11h22
